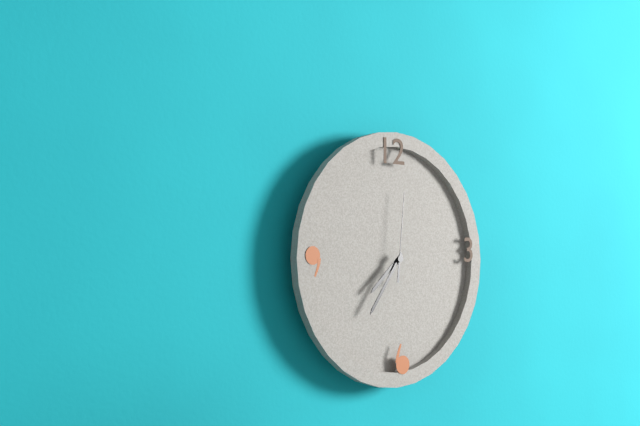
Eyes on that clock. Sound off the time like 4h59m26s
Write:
7h36m01s
